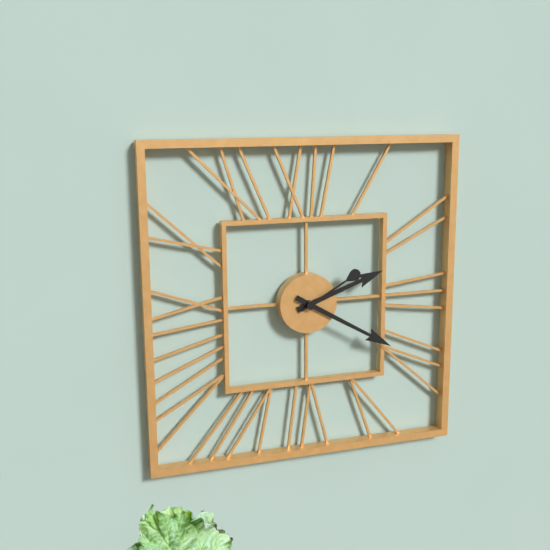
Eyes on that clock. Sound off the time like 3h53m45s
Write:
2h20m10s
